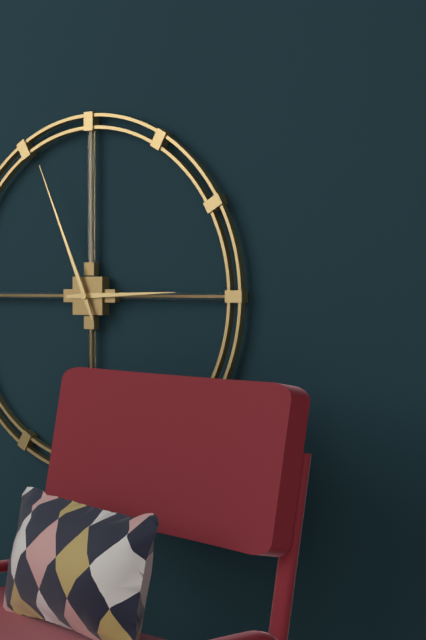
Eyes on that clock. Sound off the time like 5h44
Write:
2h56
